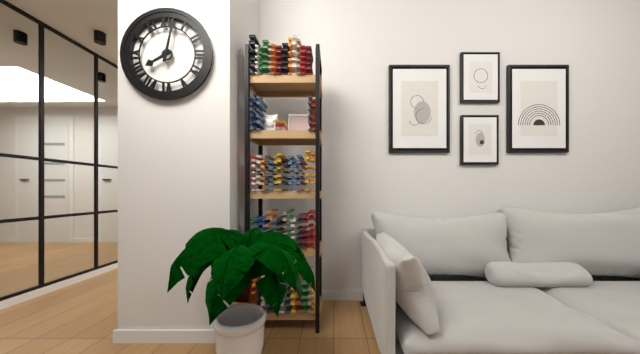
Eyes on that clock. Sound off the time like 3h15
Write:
8h02
